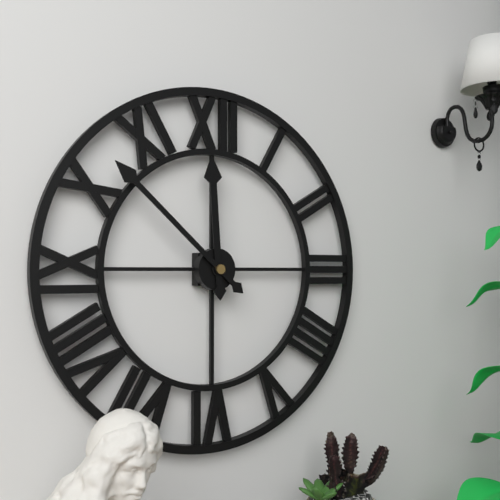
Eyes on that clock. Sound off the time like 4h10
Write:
11h52
